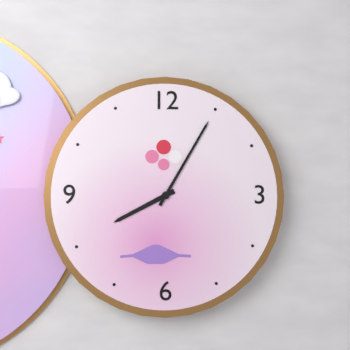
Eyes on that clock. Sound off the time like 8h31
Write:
8h05
